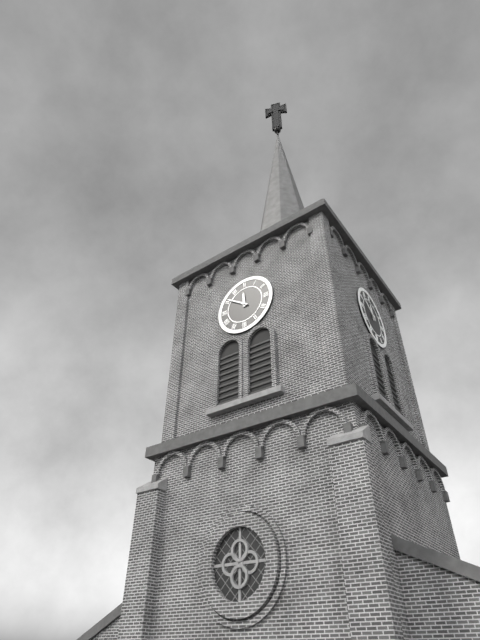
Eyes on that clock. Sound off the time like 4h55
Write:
11h51
